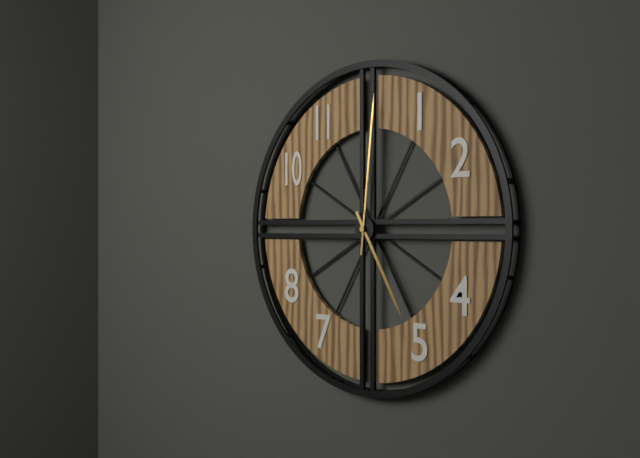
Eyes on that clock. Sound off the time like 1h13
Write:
5h01
